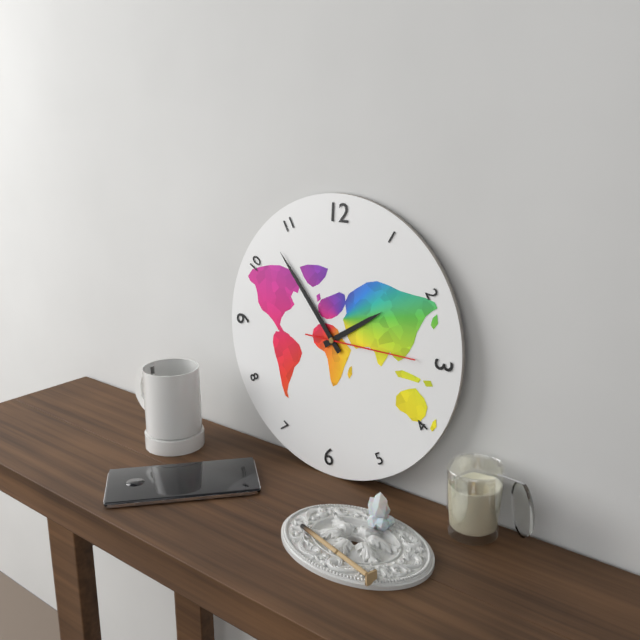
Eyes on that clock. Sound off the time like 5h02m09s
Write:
1h53m15s
